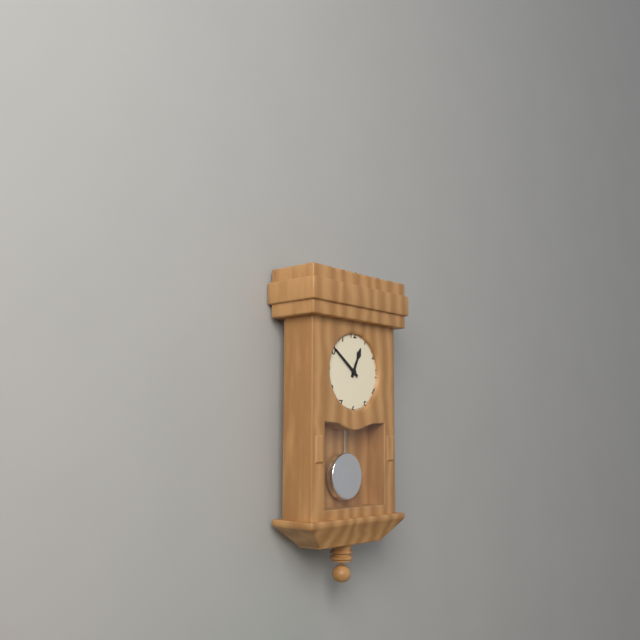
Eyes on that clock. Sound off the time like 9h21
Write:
12h51
